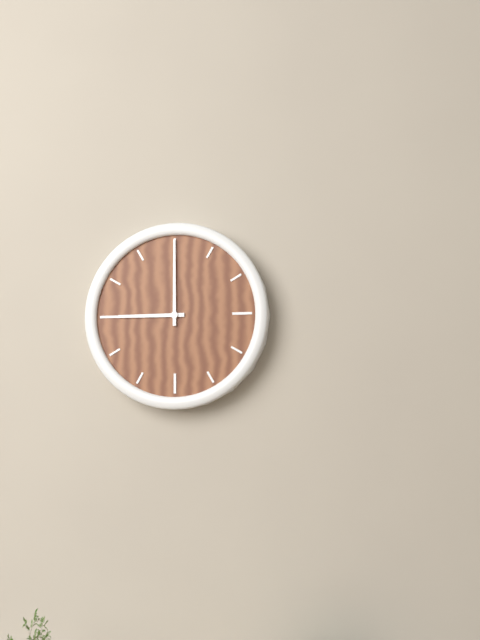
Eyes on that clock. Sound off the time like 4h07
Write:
9h00
